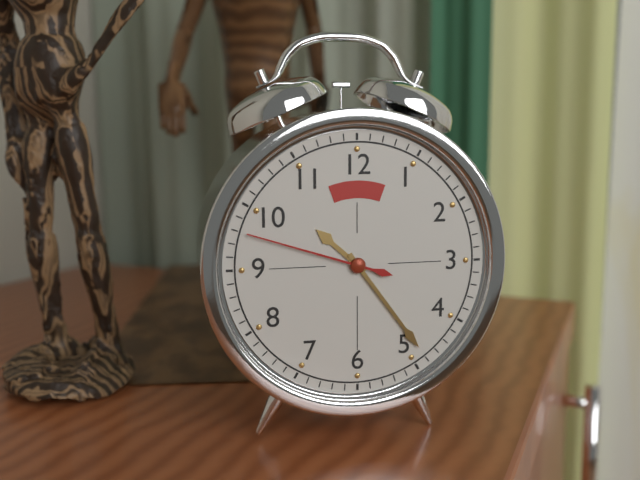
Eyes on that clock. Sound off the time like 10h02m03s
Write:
10h24m48s
